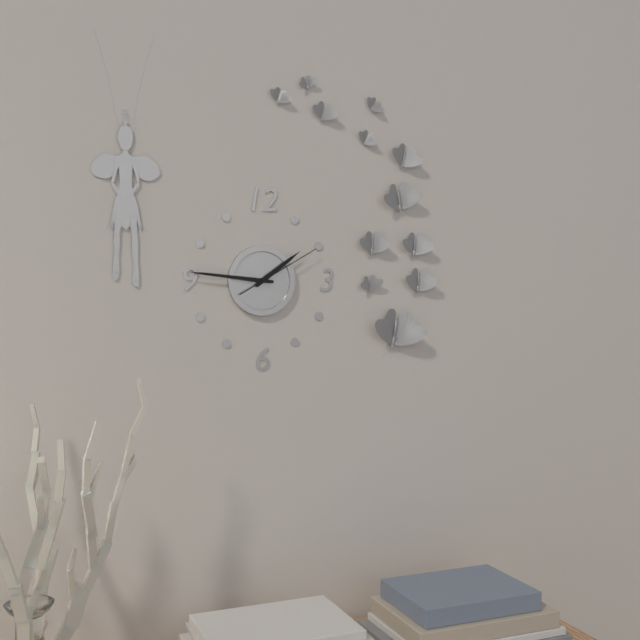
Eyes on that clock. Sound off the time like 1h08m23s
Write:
1h46m10s
